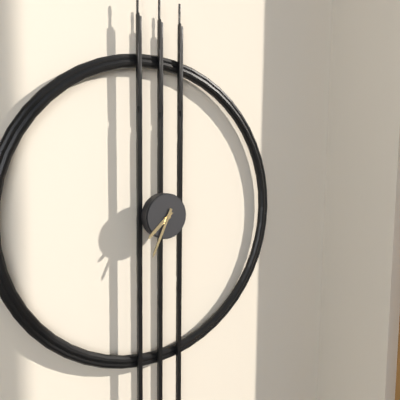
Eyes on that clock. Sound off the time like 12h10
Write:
7h34
